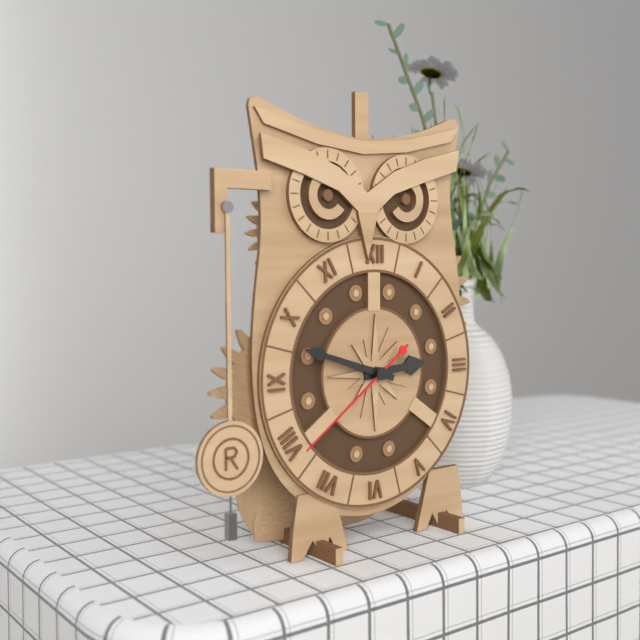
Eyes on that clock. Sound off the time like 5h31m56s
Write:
2h48m39s
